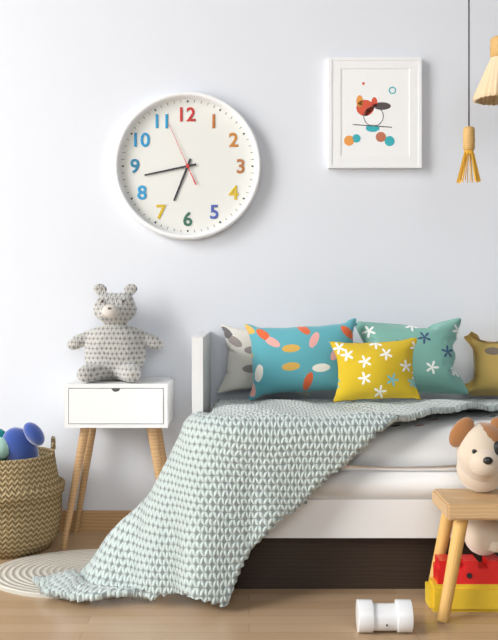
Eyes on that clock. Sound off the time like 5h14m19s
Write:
6h43m56s
